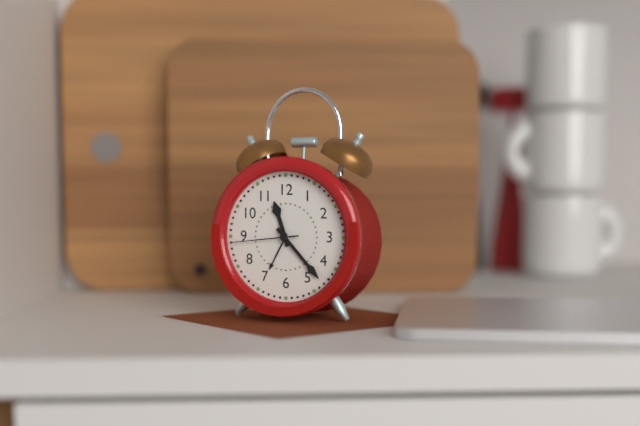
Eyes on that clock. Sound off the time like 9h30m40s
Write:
11h23m44s
